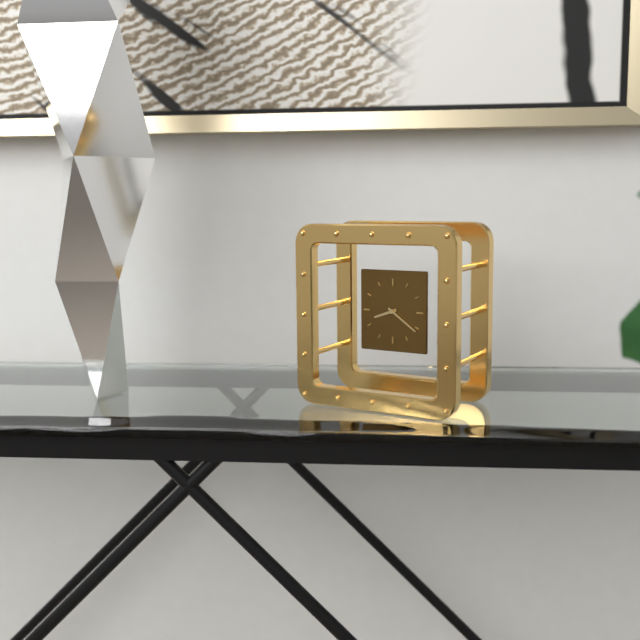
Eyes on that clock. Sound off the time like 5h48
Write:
8h21
